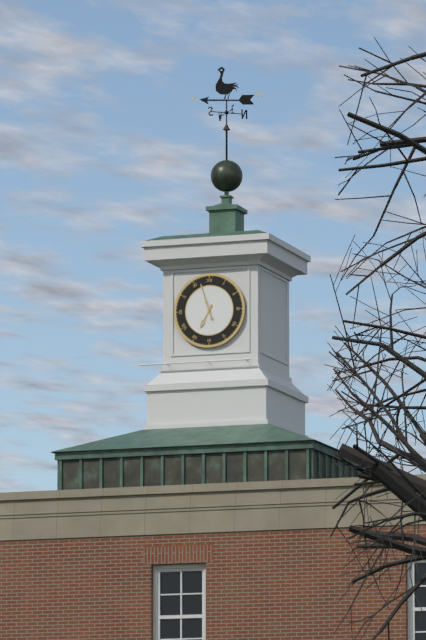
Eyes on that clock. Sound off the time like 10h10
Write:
6h57
